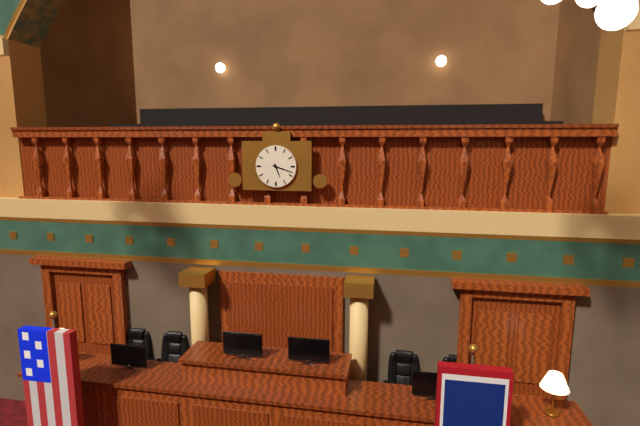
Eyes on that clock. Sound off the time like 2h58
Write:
5h18
